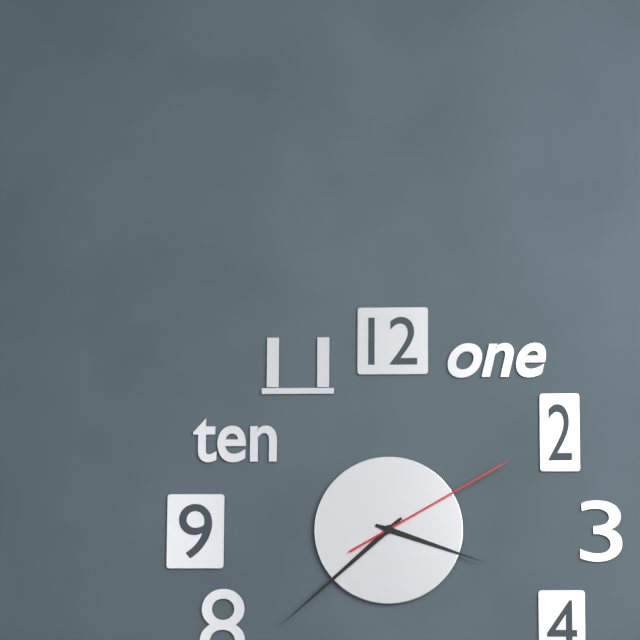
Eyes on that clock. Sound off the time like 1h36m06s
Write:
3h38m10s
